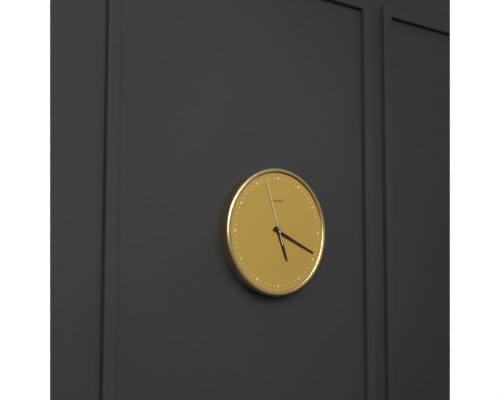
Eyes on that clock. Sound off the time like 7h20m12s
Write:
5h19m57s
